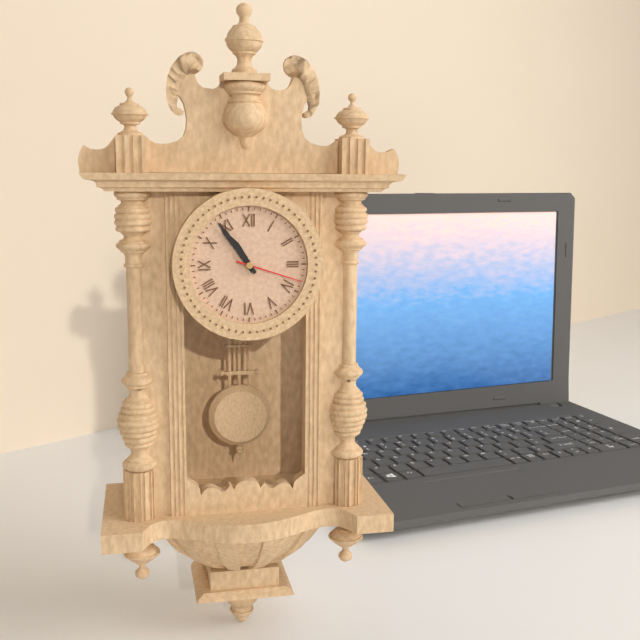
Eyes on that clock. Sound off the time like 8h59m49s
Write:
10h54m18s
